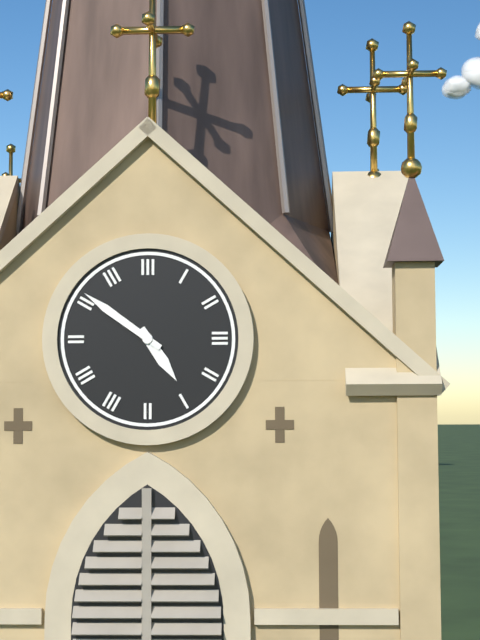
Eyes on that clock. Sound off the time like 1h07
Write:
4h51
